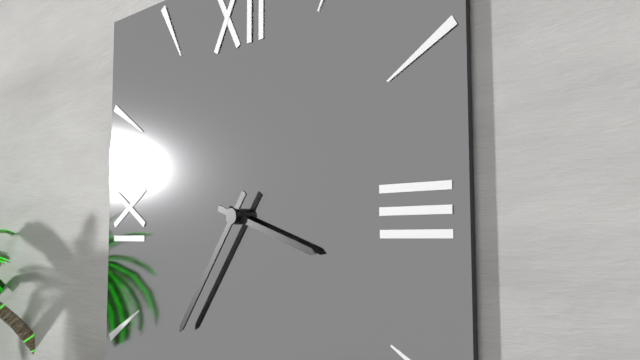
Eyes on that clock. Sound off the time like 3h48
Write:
3h36
